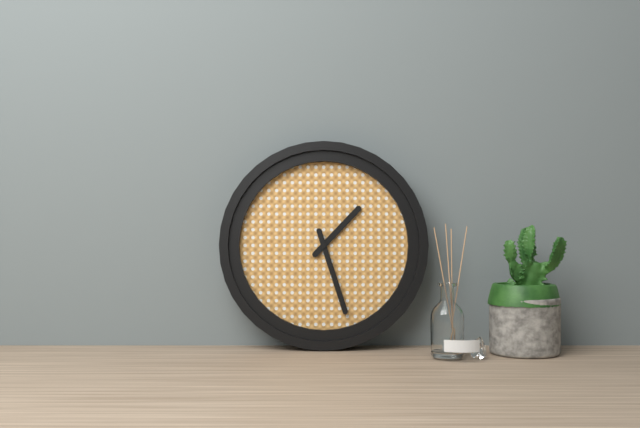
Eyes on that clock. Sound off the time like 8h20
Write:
1h27
